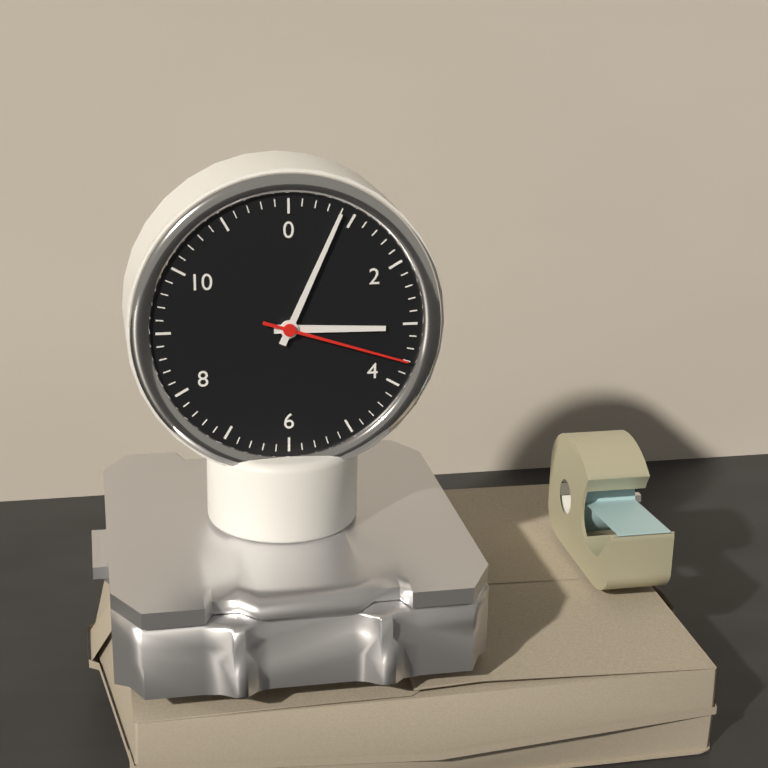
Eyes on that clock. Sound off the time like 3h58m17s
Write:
3h04m18s
